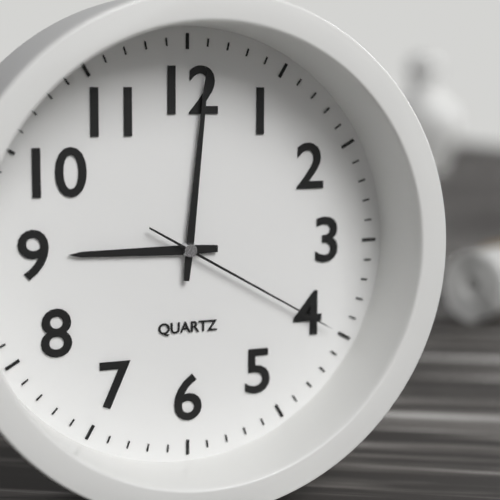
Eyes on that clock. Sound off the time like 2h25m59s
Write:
9h01m20s
